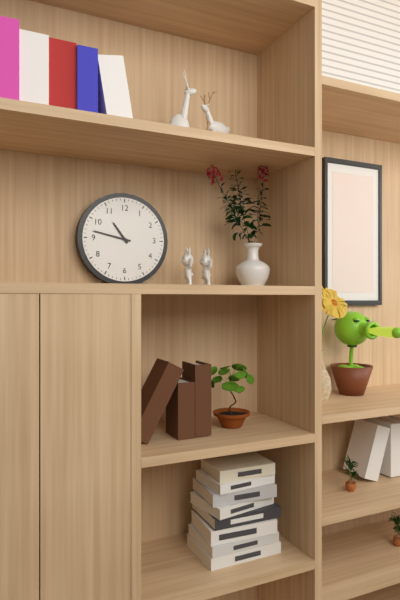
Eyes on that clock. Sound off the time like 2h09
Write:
10h47
